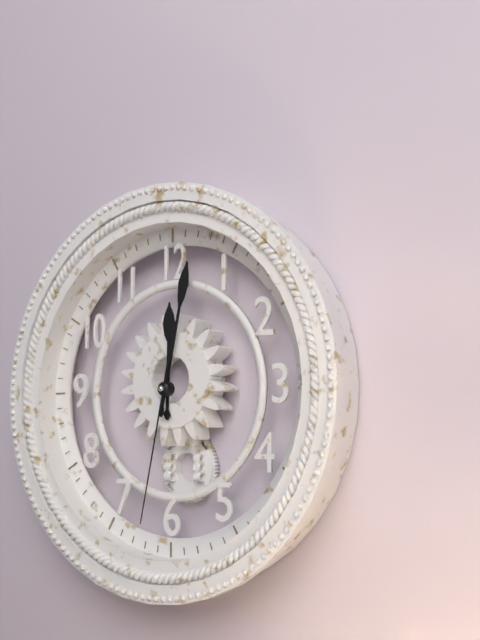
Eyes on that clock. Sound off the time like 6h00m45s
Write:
12h02m32s
